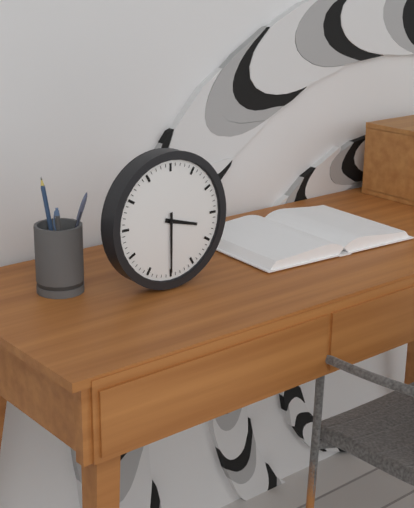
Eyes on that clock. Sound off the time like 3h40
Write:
3h30
